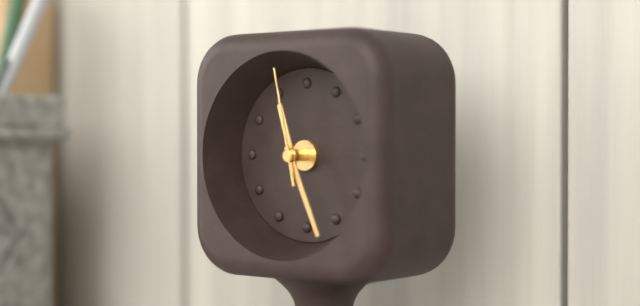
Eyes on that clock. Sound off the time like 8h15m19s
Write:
11h26m58s
